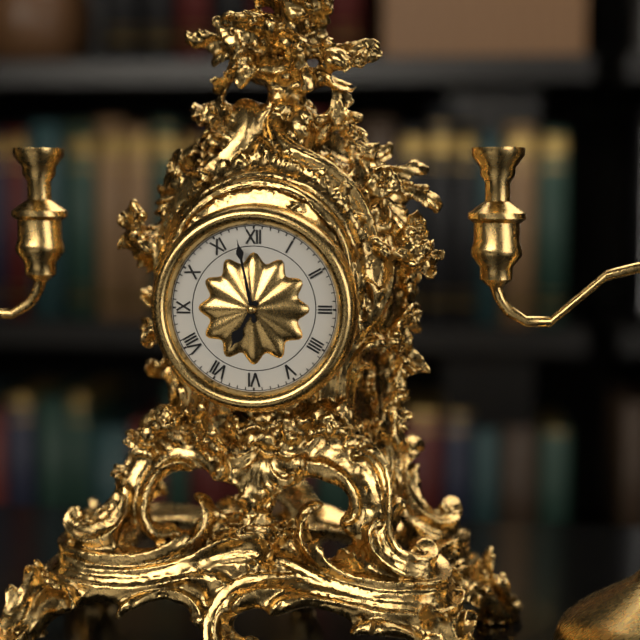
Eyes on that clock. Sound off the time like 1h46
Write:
6h58
